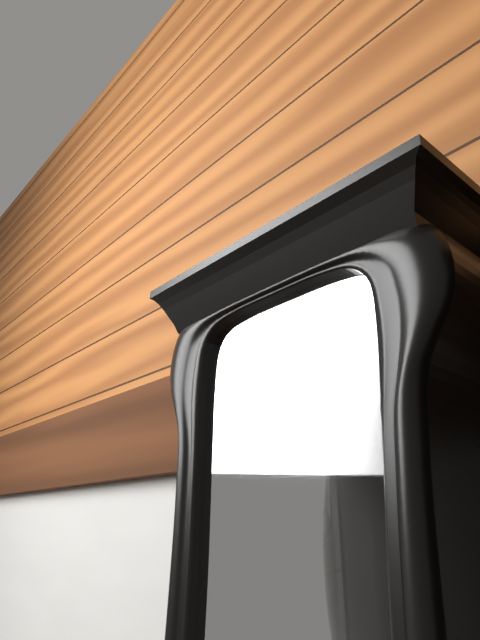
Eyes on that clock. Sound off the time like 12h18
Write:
12h32
